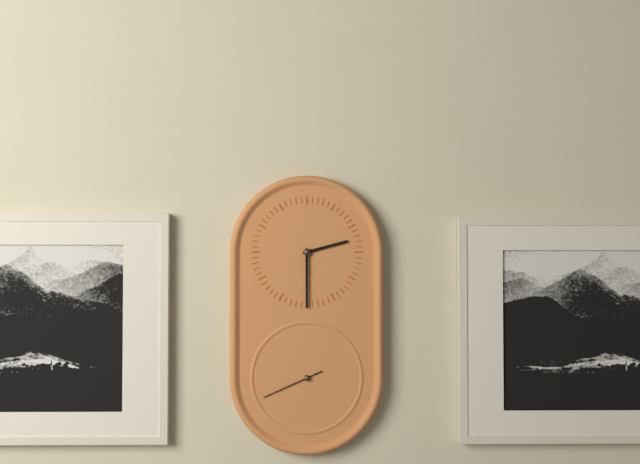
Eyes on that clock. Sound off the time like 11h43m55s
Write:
2h30m41s
